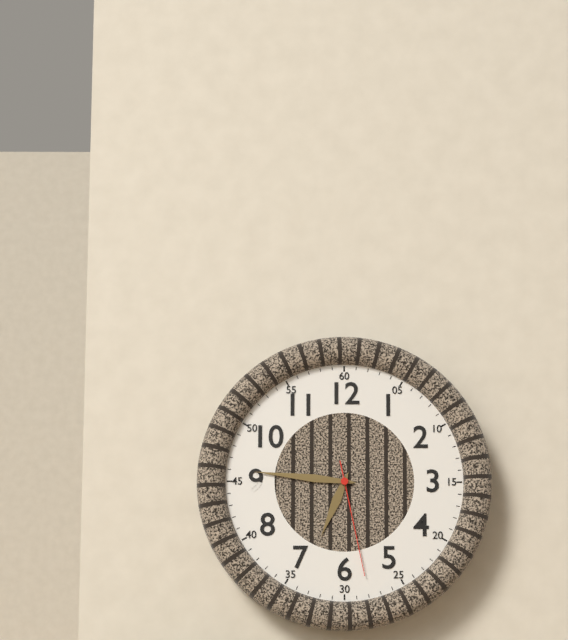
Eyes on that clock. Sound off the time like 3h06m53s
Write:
6h46m28s
